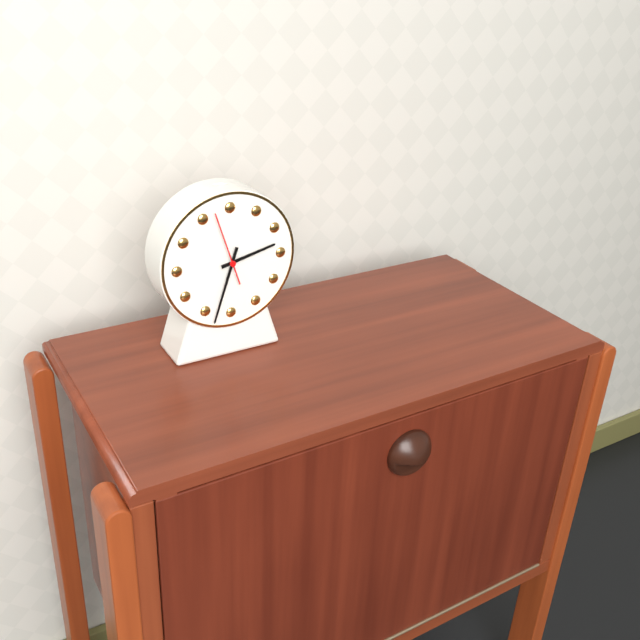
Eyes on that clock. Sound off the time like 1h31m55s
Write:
2h33m57s
